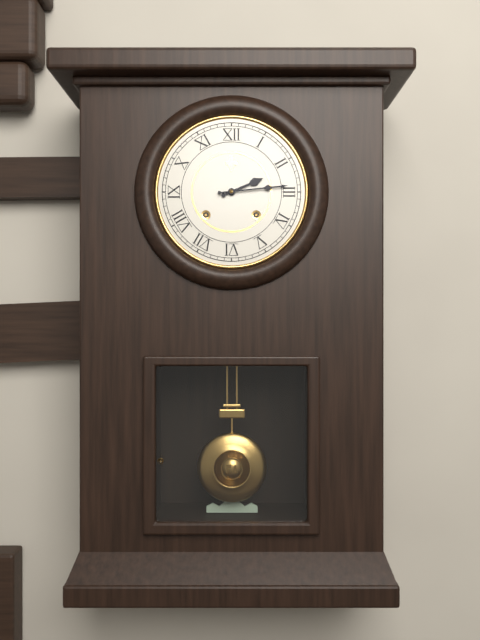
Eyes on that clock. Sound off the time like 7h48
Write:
2h14
